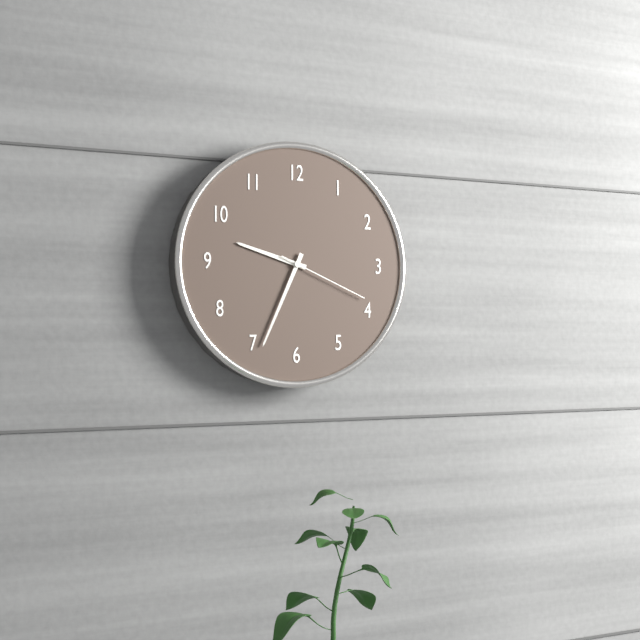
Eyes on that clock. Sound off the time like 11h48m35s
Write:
9h34m19s
